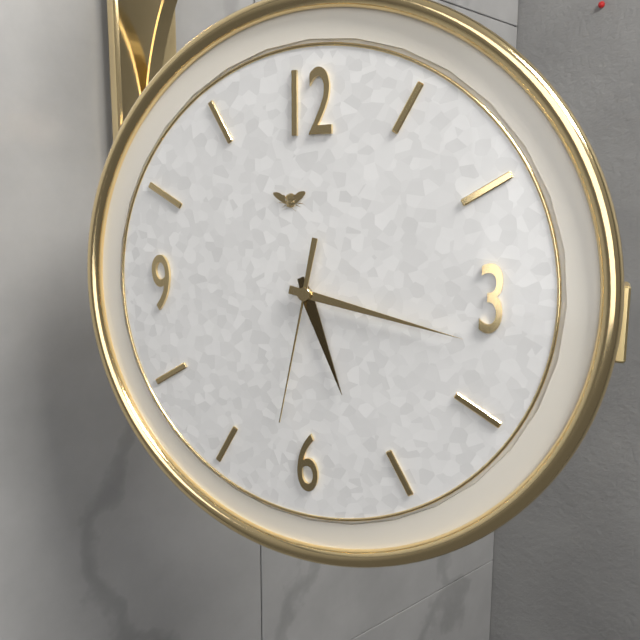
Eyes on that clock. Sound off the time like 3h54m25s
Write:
5h17m32s
